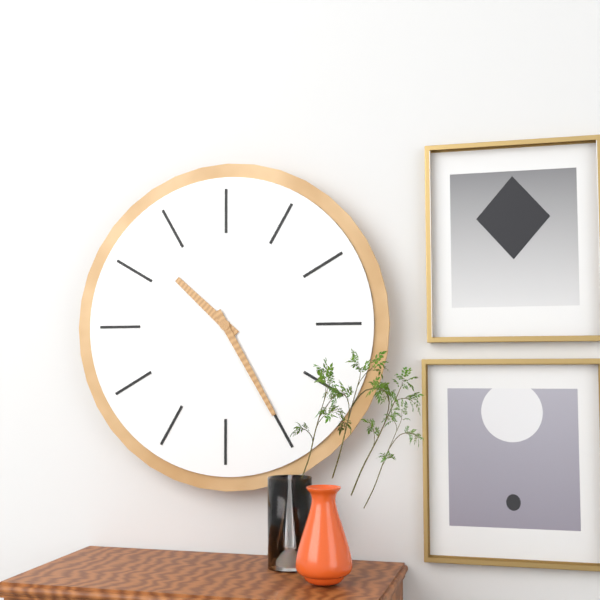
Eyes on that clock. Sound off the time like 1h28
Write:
10h25
